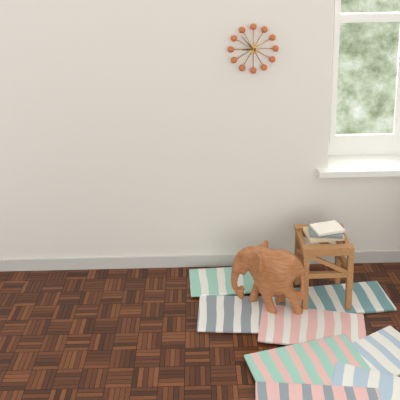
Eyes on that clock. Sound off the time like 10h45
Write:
8h53
